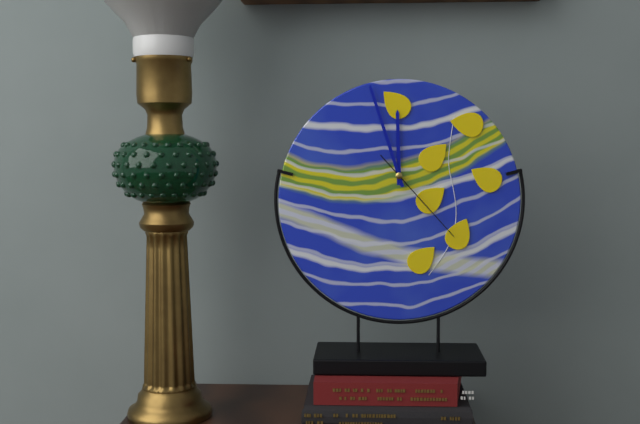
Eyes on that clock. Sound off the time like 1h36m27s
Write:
11h57m23s
